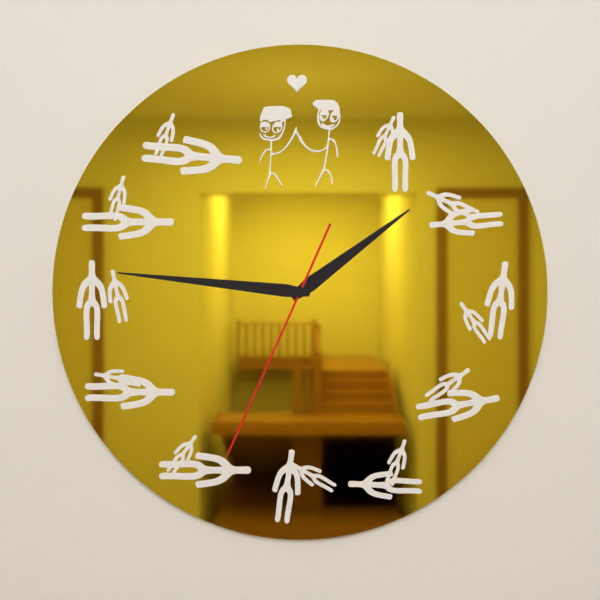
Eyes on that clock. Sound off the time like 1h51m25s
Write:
1h46m34s
